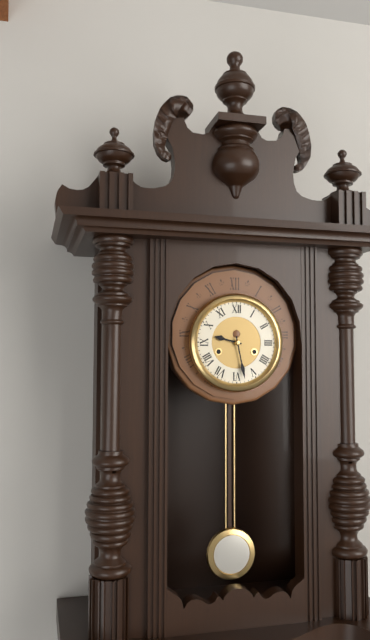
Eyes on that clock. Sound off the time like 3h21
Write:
9h28
